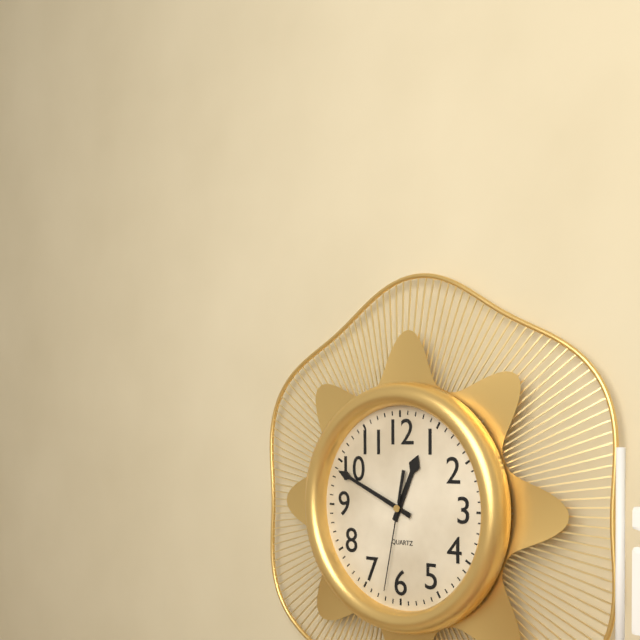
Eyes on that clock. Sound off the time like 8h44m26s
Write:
12h49m32s
